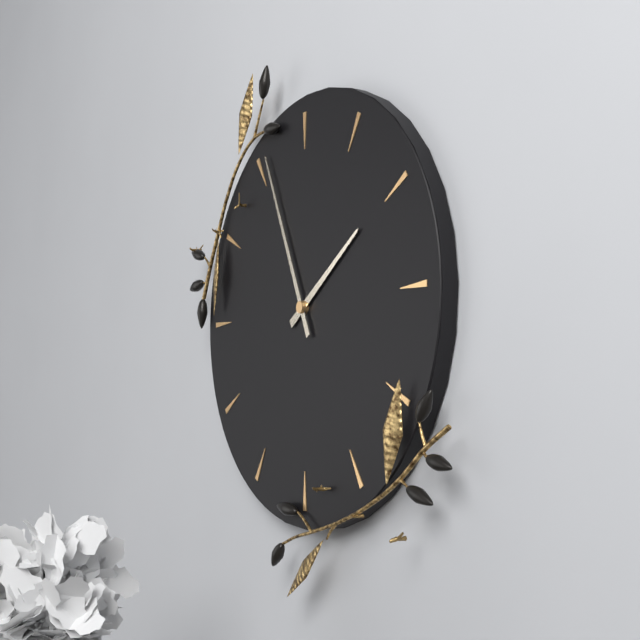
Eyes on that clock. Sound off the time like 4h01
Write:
1h56
